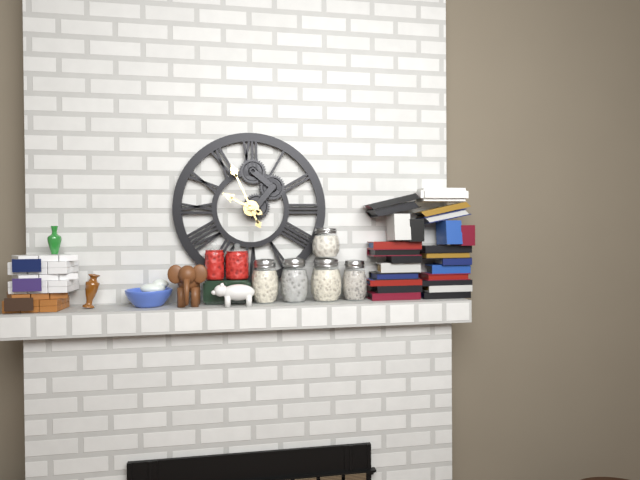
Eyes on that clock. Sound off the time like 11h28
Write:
9h56
